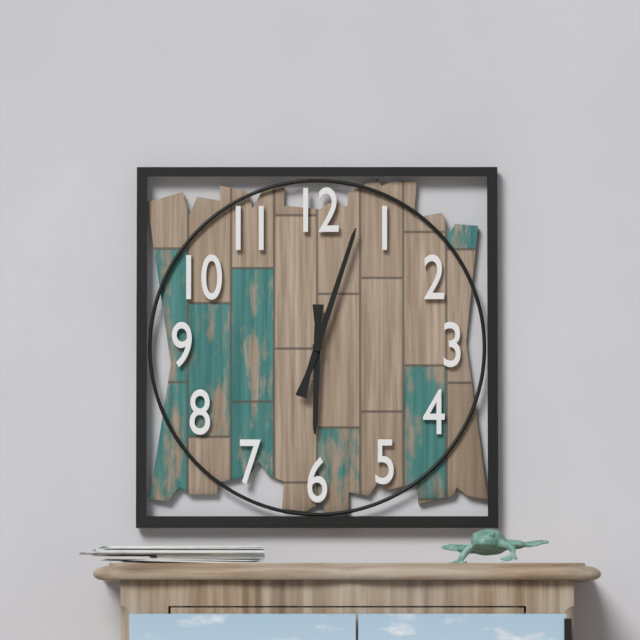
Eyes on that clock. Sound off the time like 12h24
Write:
6h03
